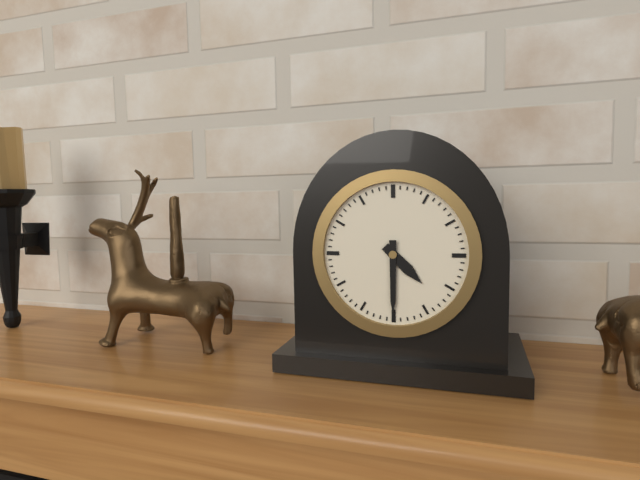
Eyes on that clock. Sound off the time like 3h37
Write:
4h30
